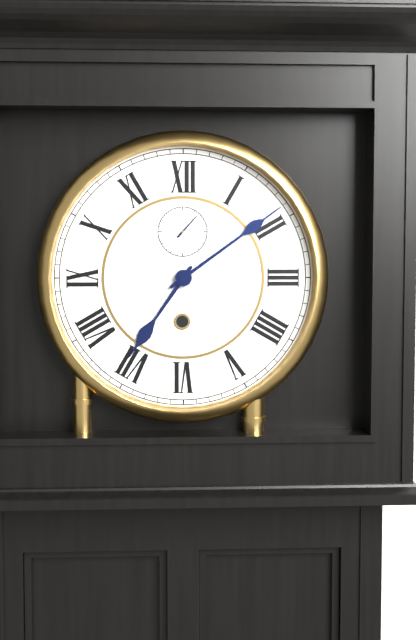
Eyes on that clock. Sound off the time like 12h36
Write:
7h09
